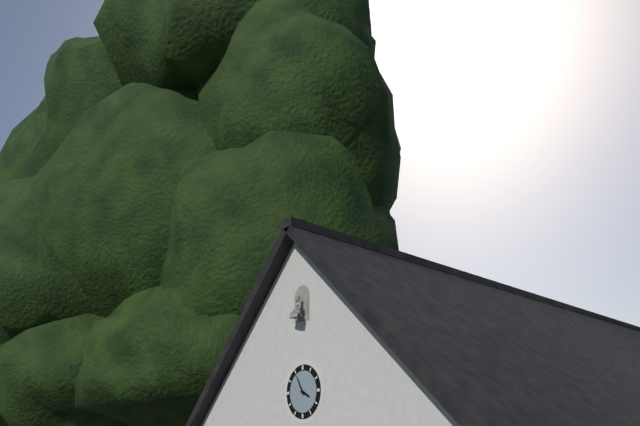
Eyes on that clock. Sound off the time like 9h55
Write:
3h55
